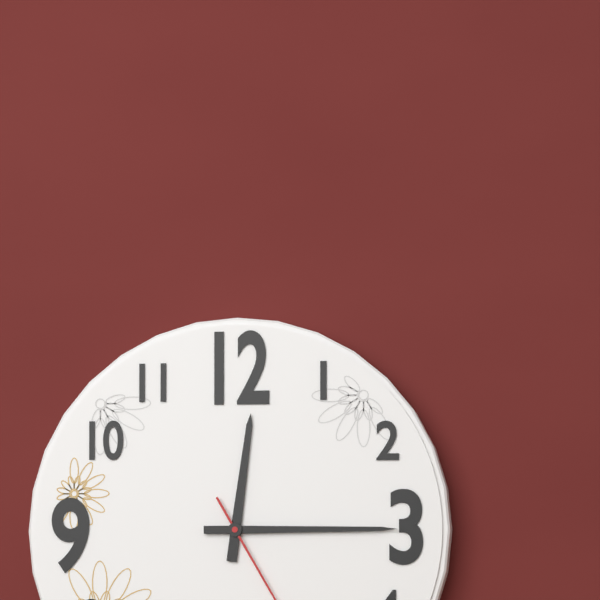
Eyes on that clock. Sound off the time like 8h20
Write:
12h15
